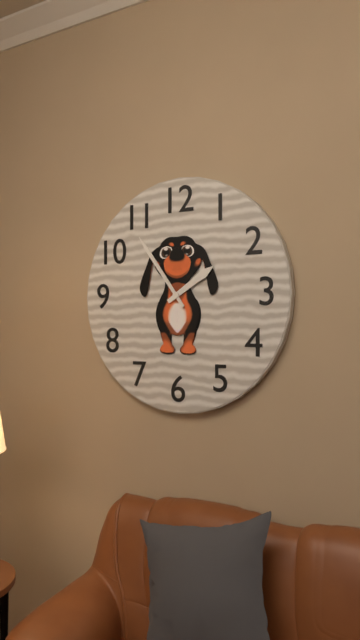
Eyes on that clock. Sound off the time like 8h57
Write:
1h54
